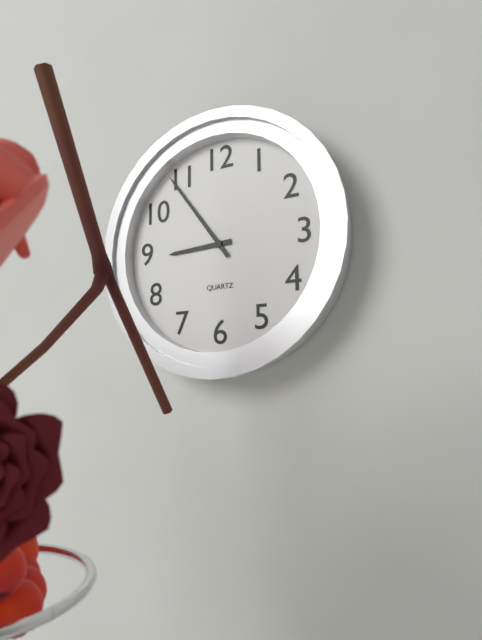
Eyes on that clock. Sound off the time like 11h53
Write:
8h54
